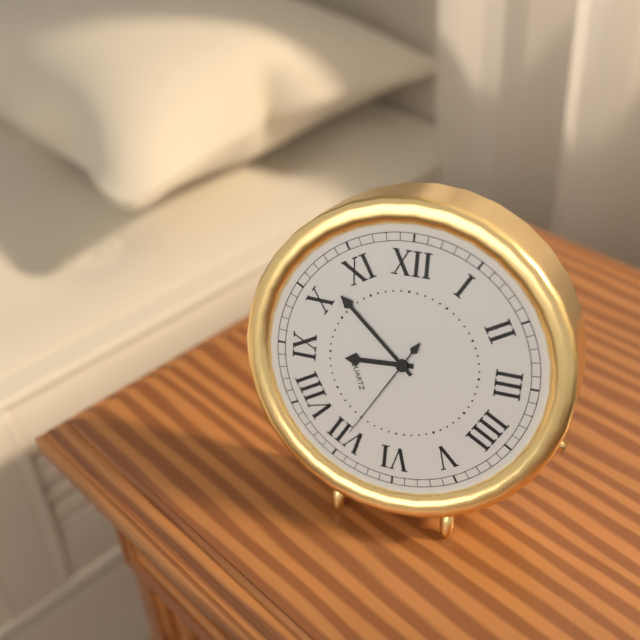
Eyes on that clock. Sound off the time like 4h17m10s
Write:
8h52m35s
